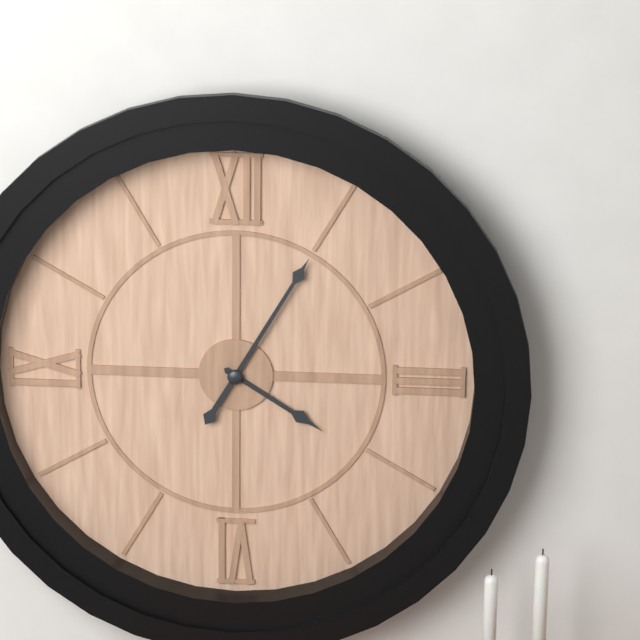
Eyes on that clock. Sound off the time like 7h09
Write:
4h05
